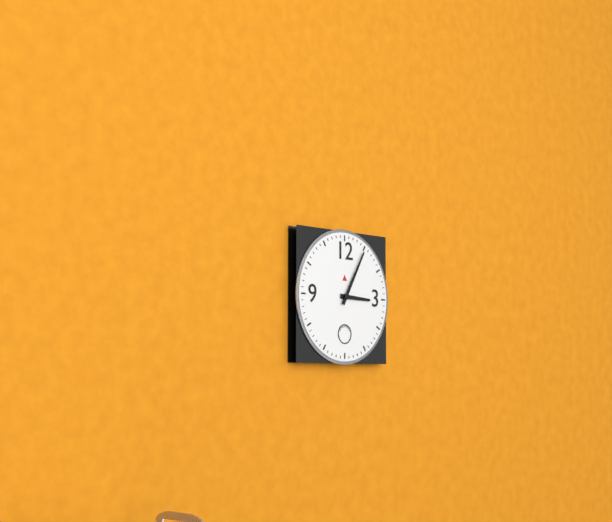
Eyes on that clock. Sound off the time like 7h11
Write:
3h05
